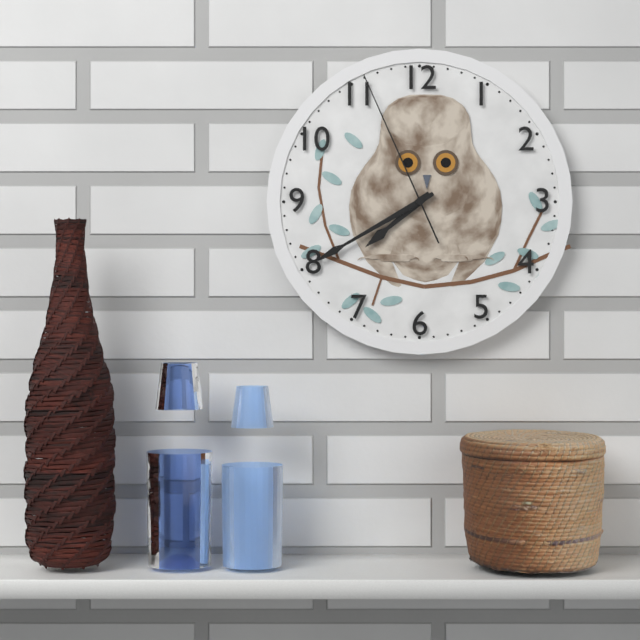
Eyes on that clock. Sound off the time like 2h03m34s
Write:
7h40m56s
